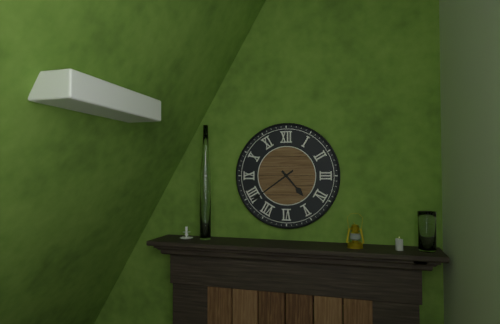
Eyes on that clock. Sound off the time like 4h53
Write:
4h39
